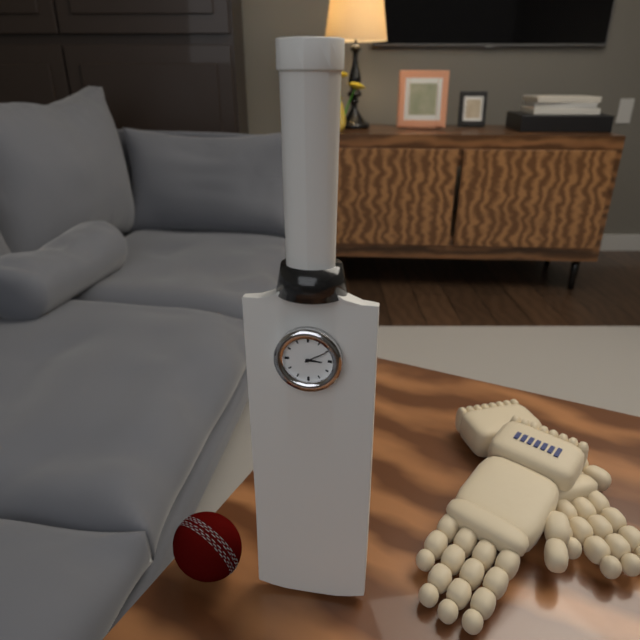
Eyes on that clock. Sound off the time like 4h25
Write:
3h10
